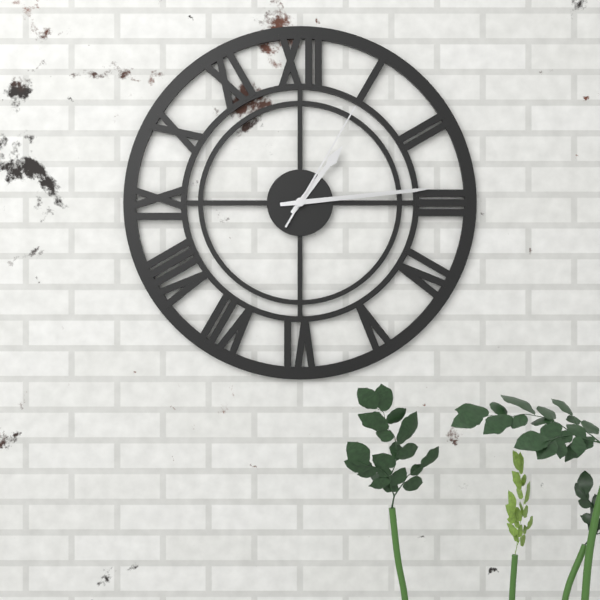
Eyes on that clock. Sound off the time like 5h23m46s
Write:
1h14m05s
